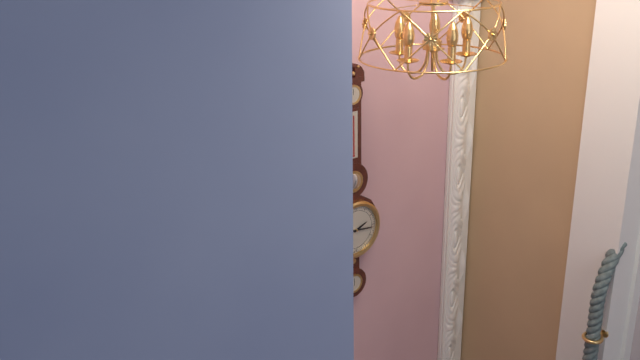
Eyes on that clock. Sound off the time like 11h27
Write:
2h16
